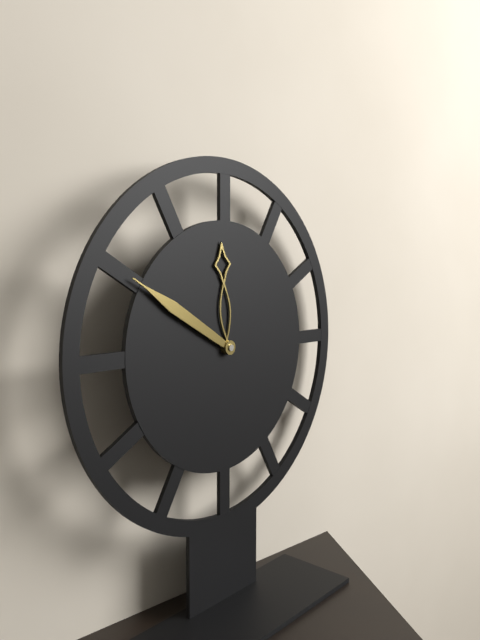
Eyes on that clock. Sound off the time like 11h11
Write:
11h50
